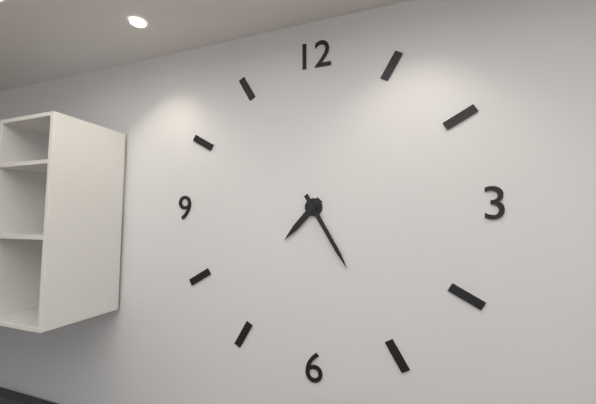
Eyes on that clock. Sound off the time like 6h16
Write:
7h25
